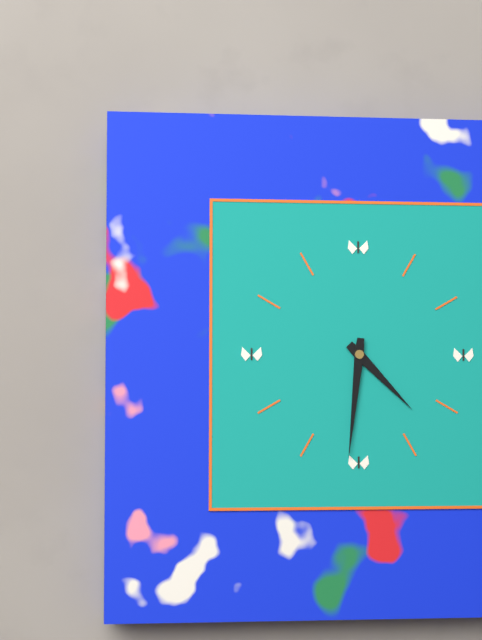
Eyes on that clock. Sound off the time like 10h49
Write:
4h31
